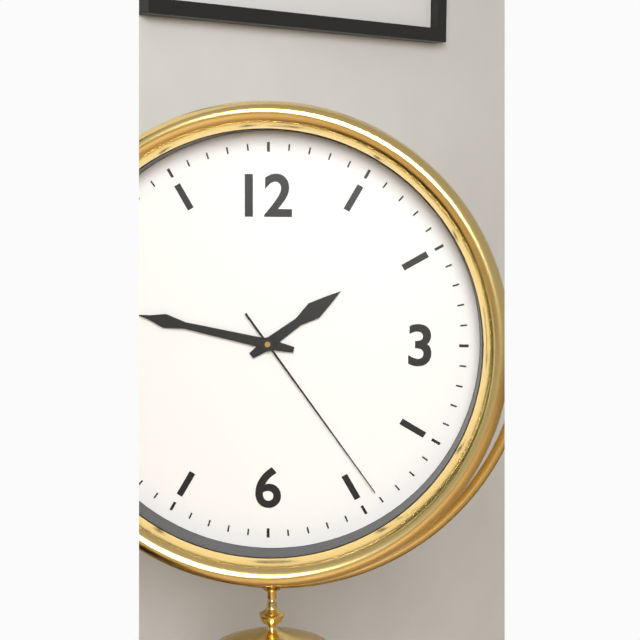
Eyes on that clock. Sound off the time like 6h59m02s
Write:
1h47m24s
